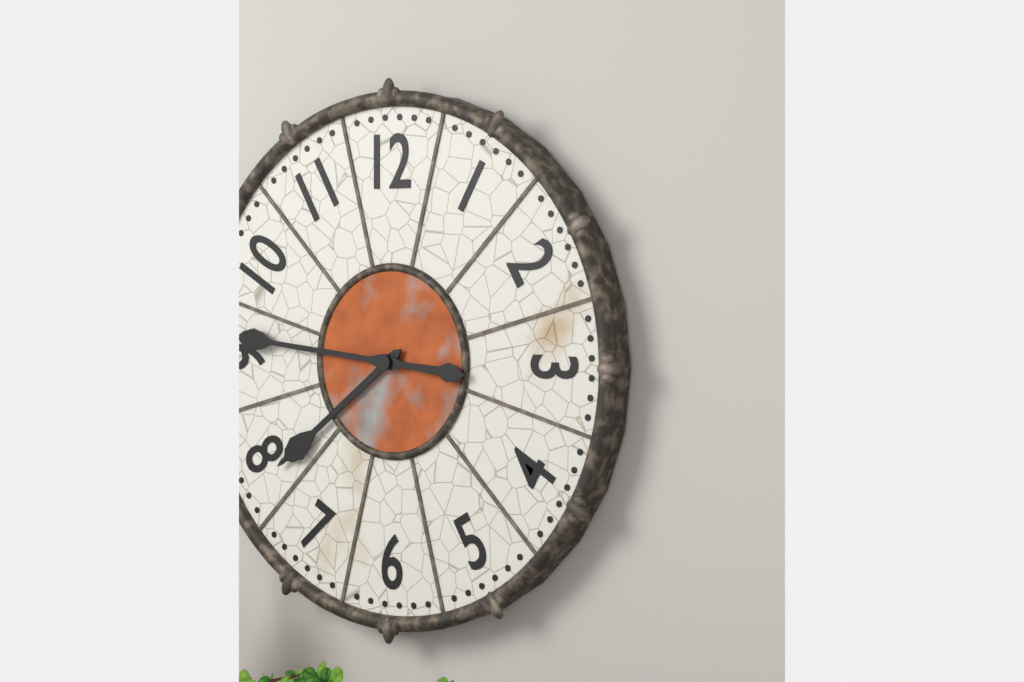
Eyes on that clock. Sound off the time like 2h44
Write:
7h46
